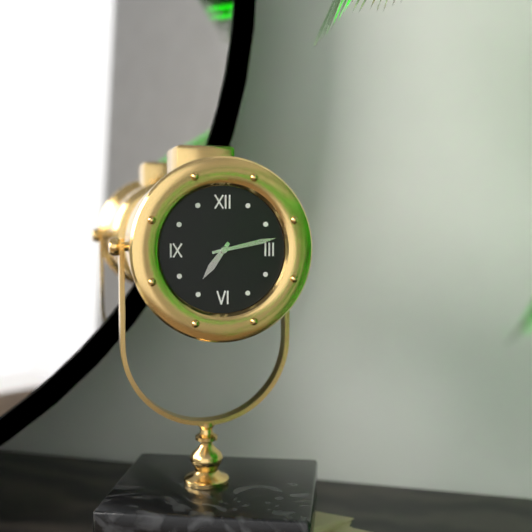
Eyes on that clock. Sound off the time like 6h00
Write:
7h13
